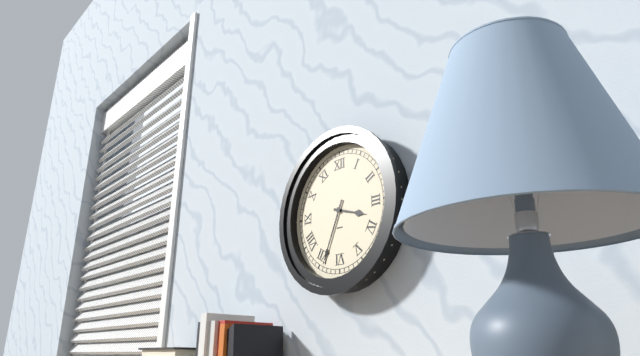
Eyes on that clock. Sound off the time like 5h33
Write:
3h34
